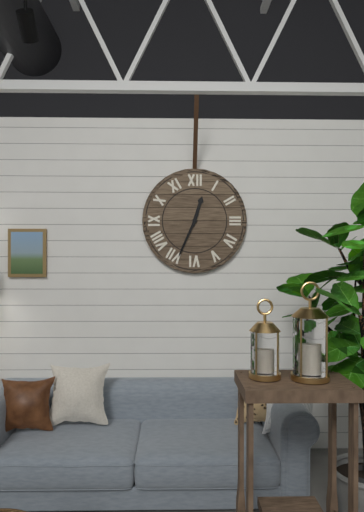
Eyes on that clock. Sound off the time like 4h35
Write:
12h34
